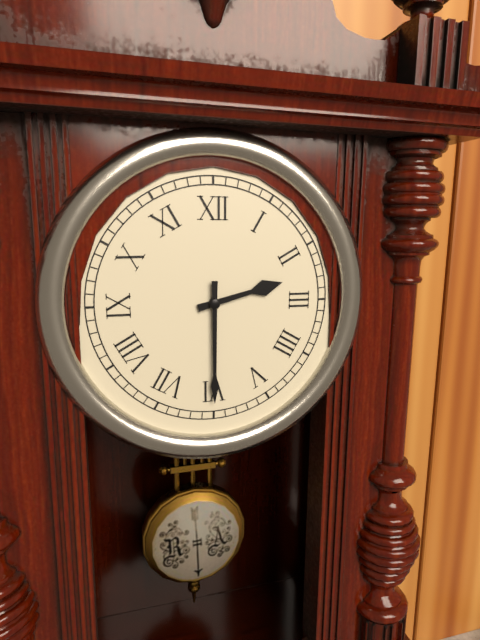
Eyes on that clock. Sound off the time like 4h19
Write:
2h30
